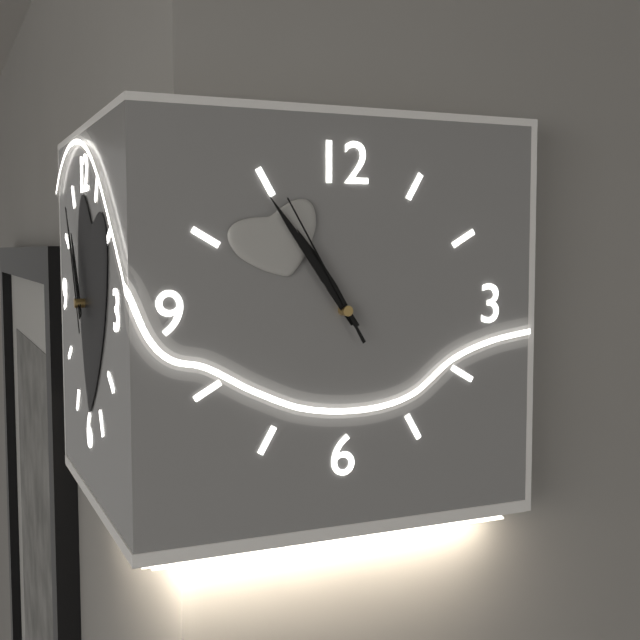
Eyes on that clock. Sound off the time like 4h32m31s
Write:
10h54m55s
